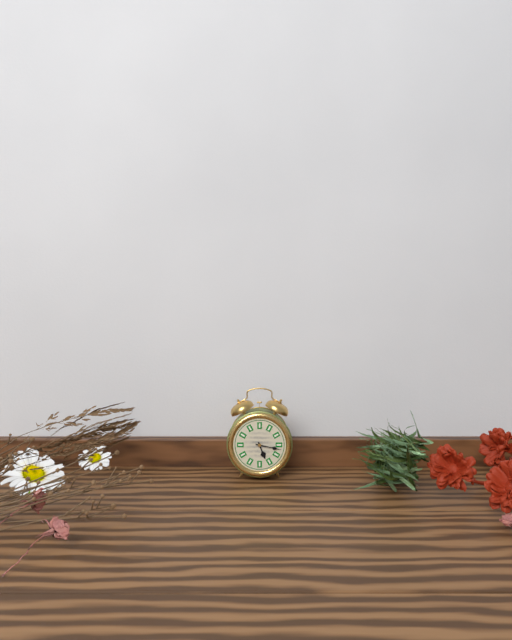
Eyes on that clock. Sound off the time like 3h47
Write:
5h17
